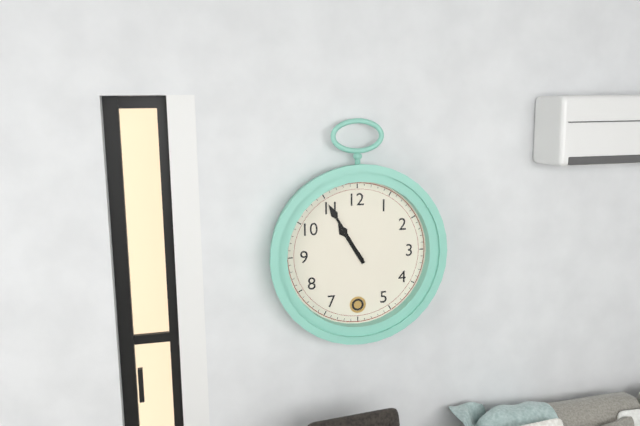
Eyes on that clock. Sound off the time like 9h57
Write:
10h55
